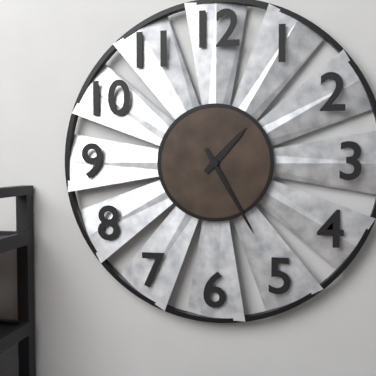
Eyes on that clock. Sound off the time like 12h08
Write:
1h25
